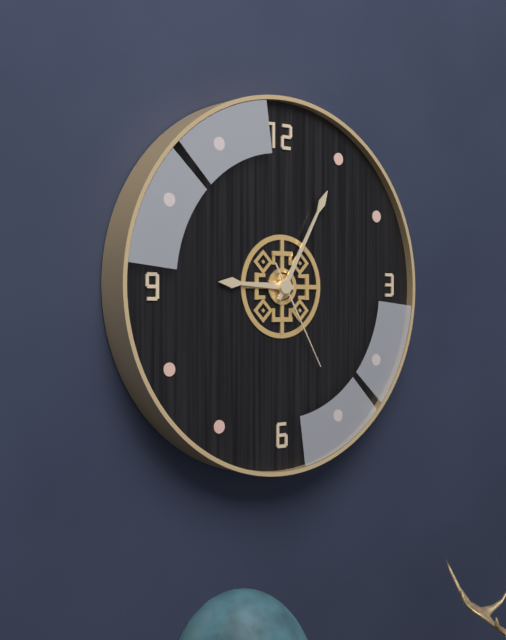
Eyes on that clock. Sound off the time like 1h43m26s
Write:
9h05m25s
